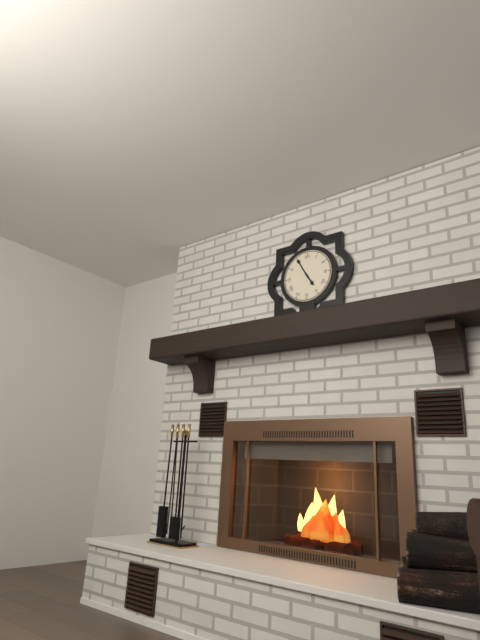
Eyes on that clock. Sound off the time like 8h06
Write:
4h55
